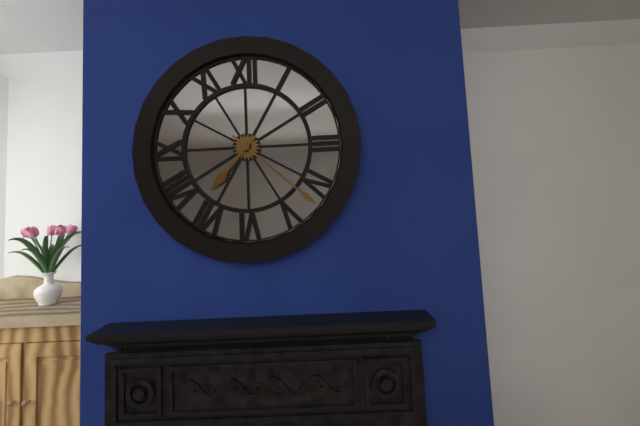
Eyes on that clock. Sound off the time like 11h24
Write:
7h22
